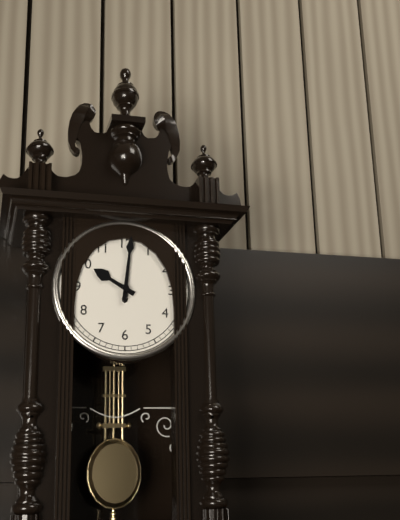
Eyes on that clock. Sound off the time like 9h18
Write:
10h01
